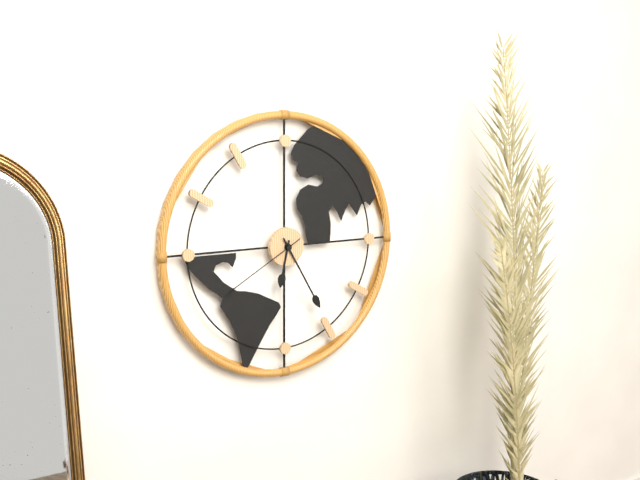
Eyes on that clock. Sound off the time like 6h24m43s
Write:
6h25m40s
